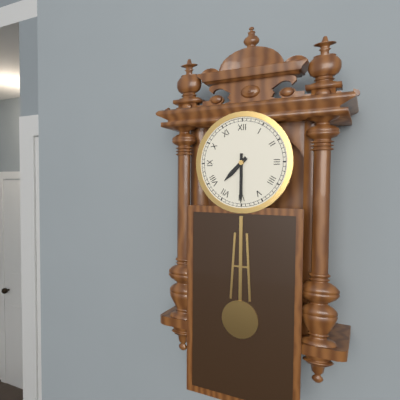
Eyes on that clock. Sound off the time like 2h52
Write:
7h30
